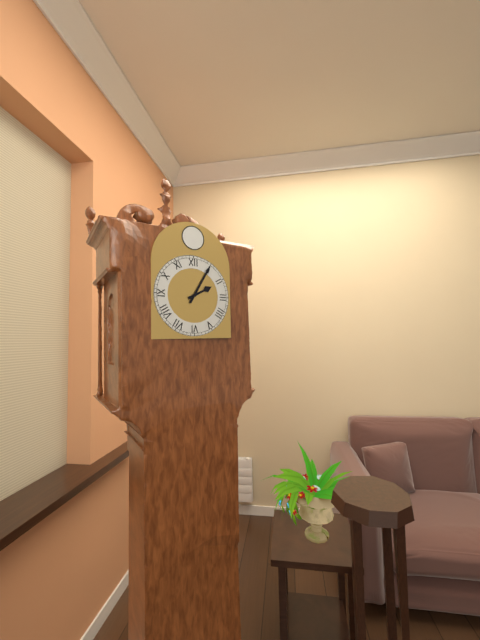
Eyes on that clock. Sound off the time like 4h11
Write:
2h05
